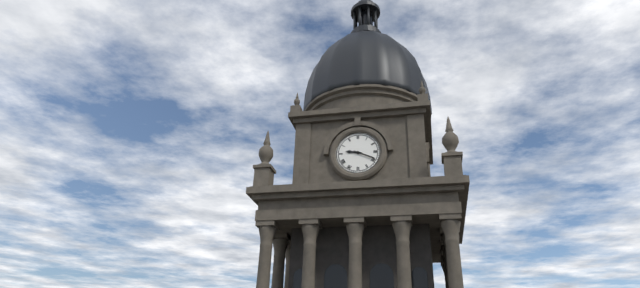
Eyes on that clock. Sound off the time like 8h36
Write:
9h19
